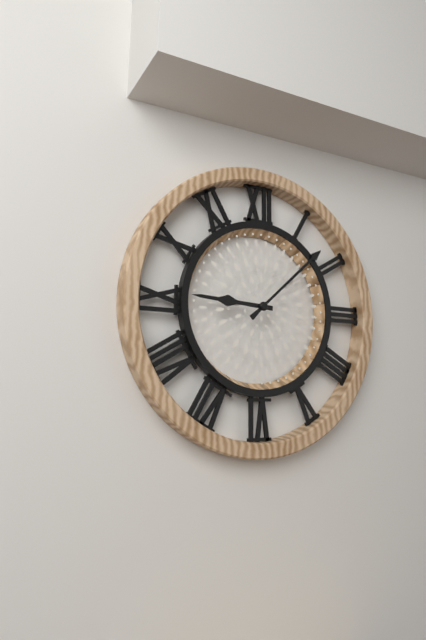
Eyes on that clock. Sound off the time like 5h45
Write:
9h08
